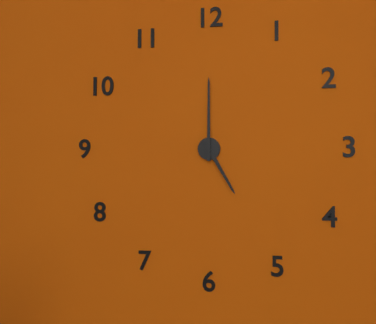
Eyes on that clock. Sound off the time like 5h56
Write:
5h00
